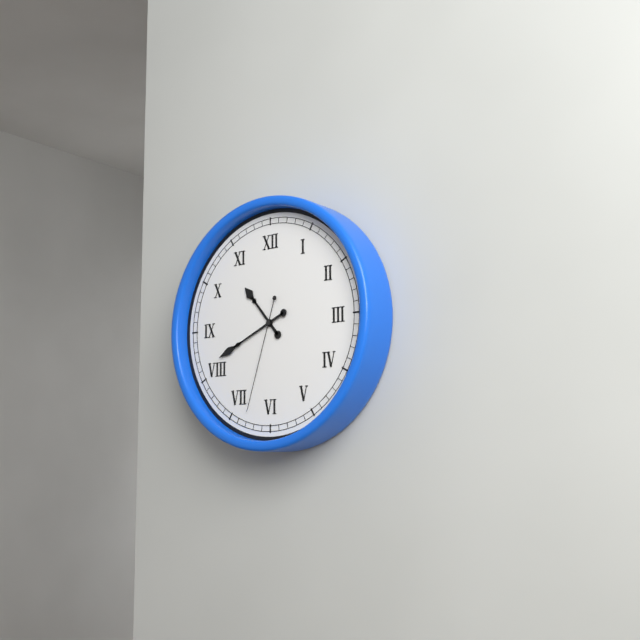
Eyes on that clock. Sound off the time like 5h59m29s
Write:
10h41m33s
